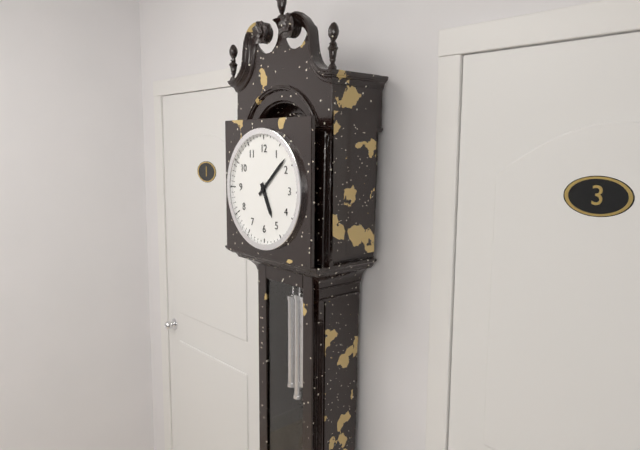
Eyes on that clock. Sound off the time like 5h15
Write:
5h08
